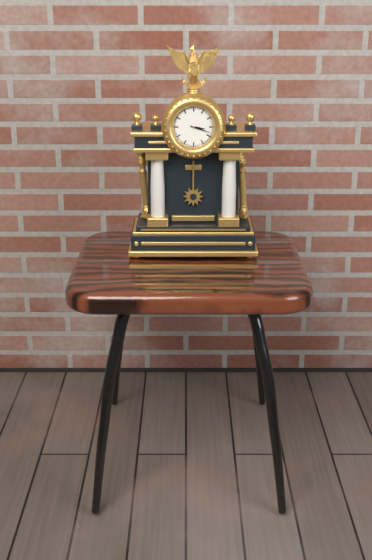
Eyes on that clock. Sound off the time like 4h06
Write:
3h18
